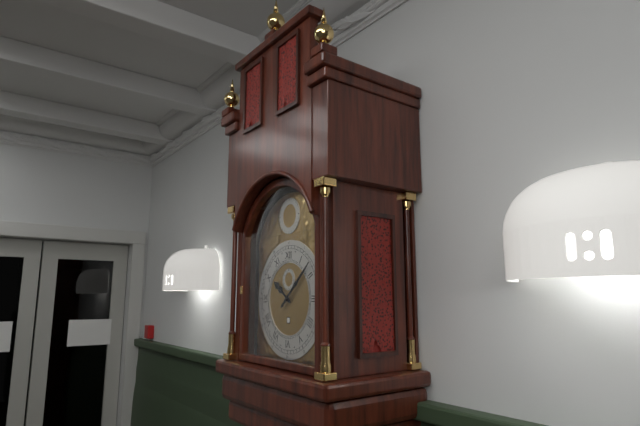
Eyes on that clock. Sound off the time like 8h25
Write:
10h08
